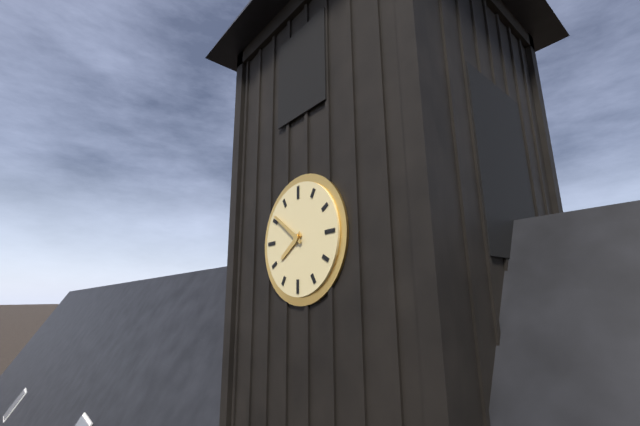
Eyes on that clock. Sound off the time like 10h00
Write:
7h51
